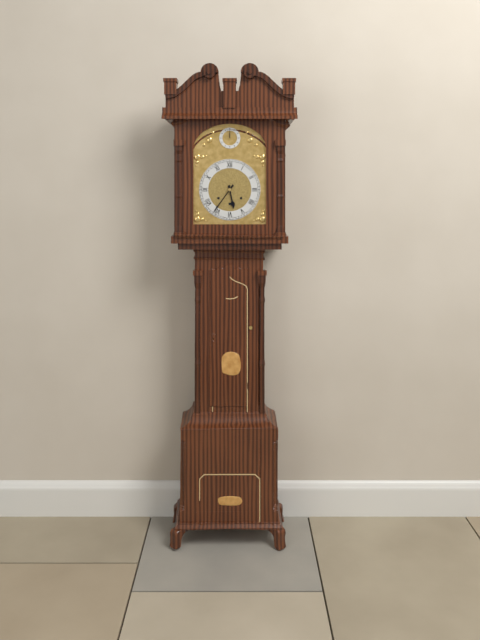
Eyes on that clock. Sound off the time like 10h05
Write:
5h36
